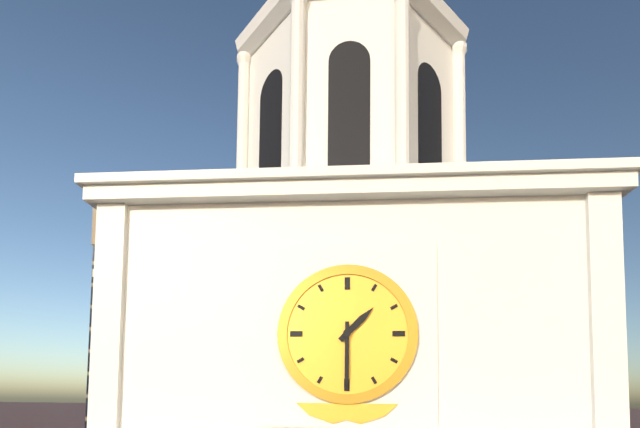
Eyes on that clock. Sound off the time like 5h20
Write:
1h30
